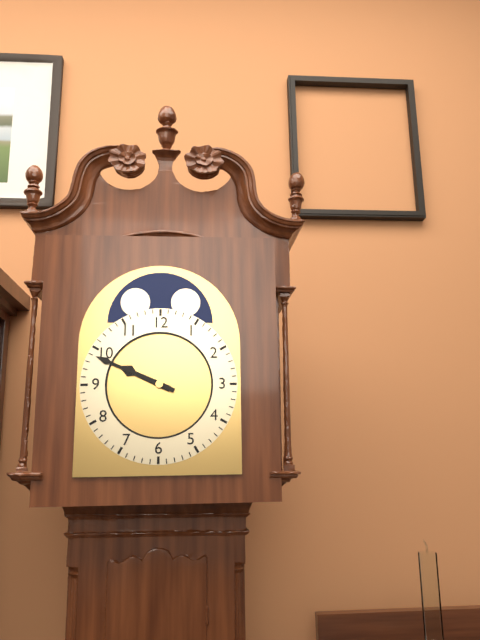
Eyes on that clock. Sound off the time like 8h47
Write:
9h49
